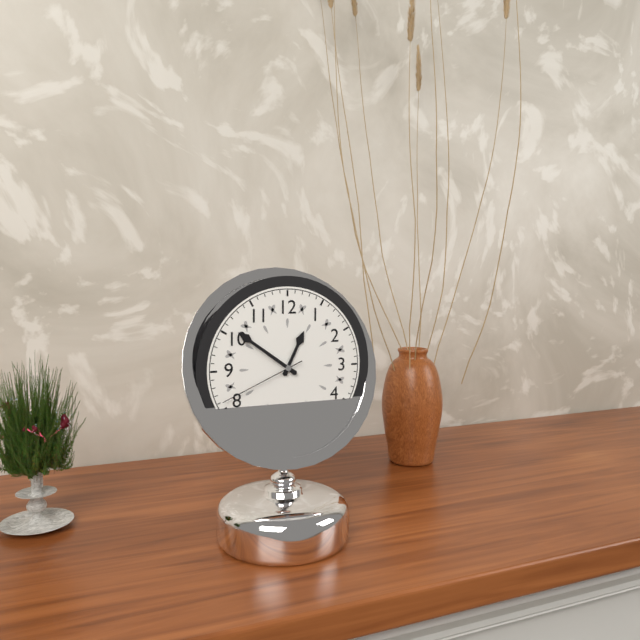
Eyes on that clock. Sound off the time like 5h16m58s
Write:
12h51m41s
